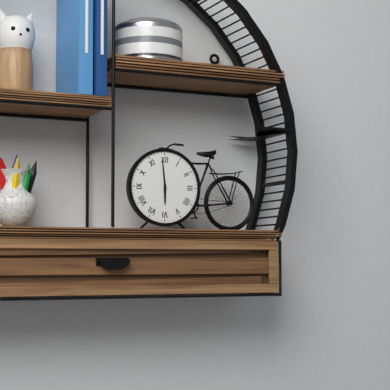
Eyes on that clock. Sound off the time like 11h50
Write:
5h59
